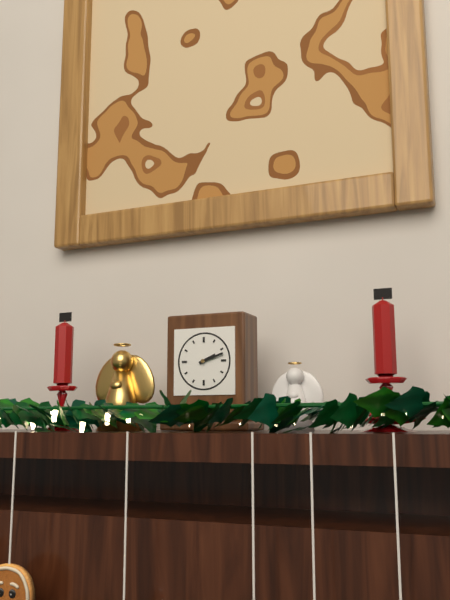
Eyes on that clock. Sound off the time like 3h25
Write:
2h12
